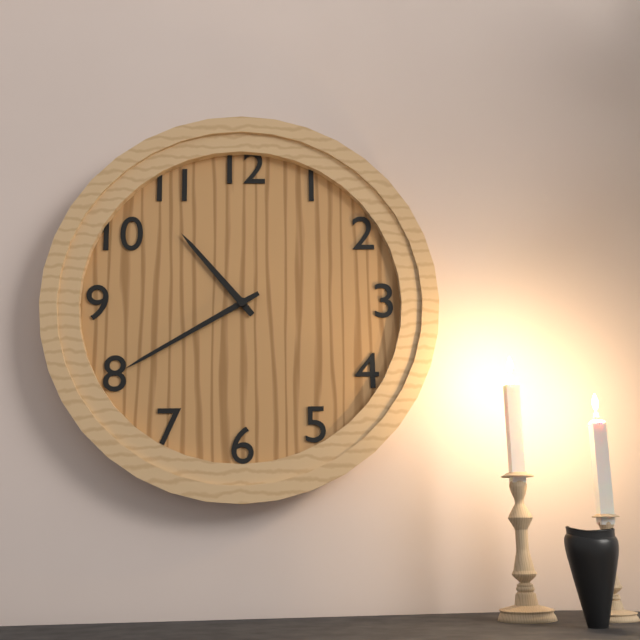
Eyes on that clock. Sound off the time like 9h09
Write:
10h40
